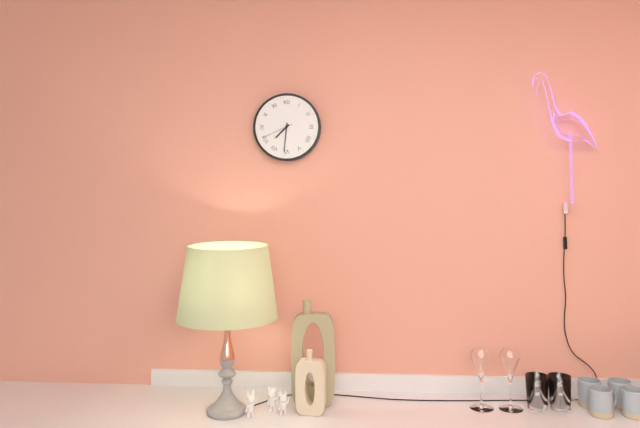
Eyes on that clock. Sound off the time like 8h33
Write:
7h31
